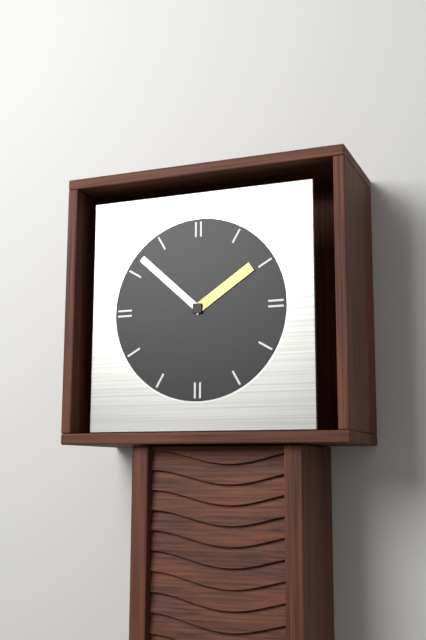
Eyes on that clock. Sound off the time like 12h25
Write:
1h52
